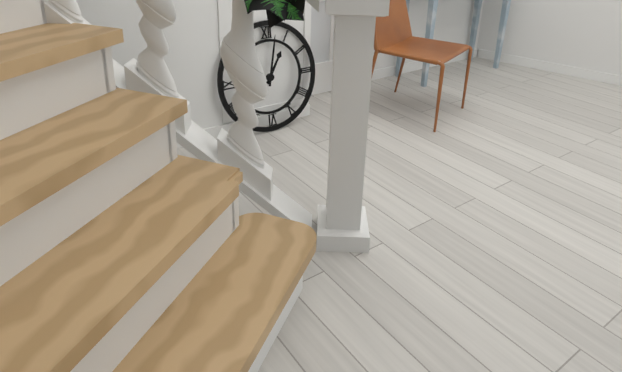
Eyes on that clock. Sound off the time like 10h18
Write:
1h02
